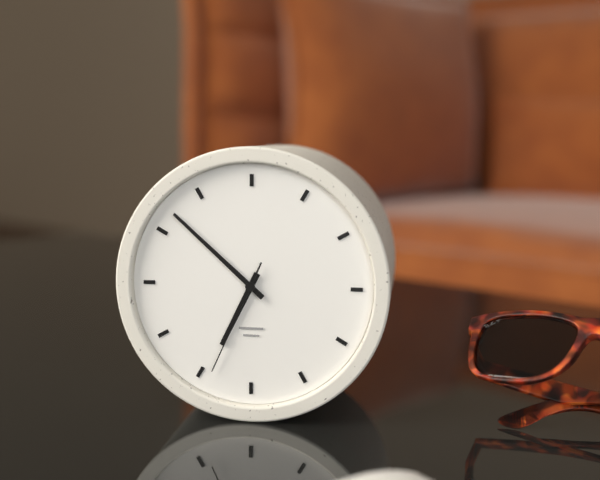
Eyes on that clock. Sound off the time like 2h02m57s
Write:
6h52m34s
